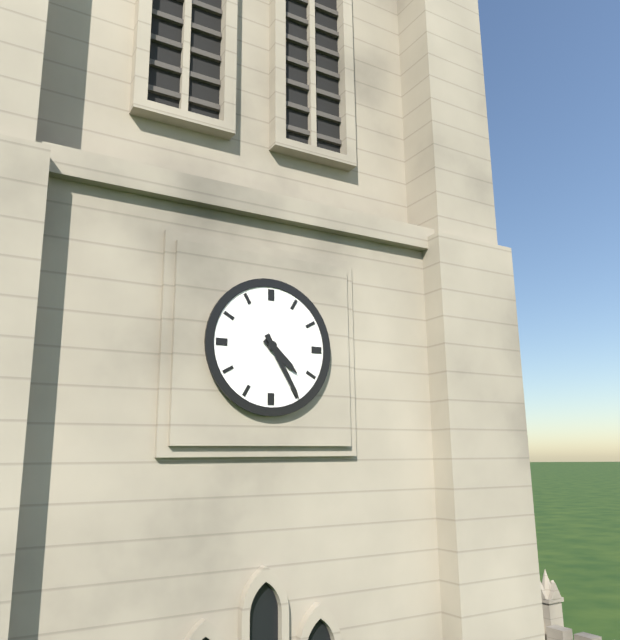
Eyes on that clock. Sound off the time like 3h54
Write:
4h25
